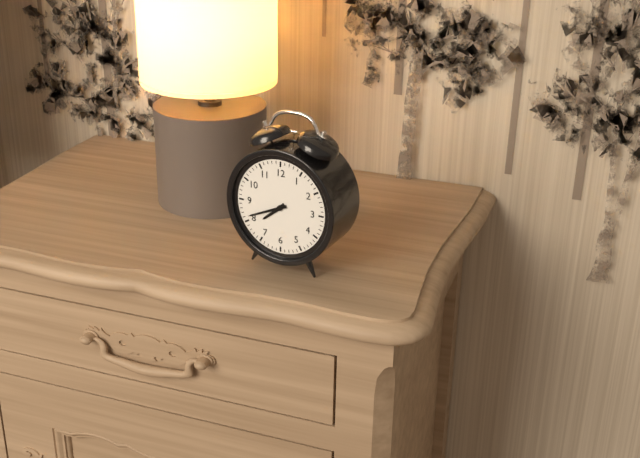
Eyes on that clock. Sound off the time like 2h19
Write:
7h41
